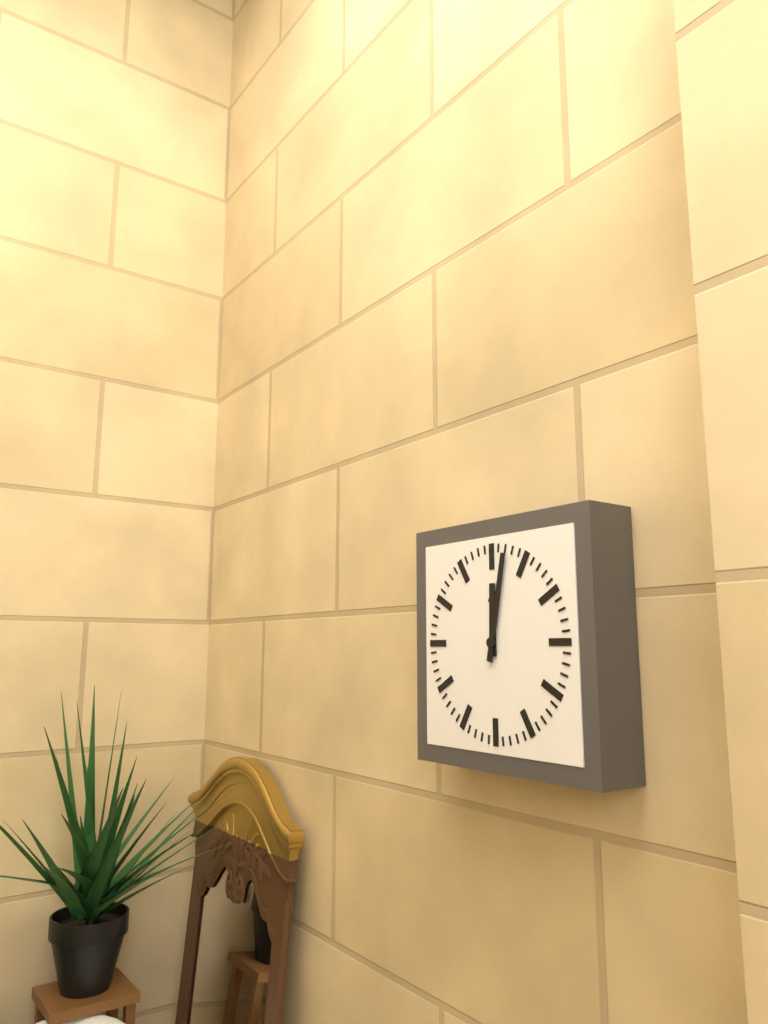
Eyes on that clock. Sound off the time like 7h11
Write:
12h02
